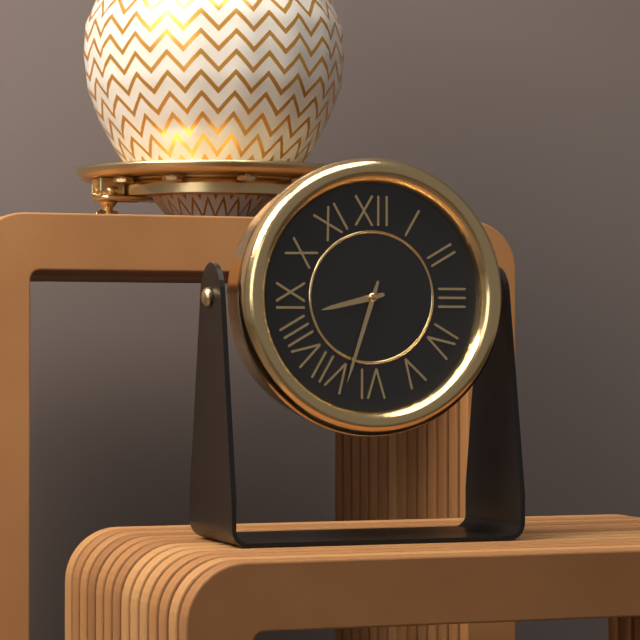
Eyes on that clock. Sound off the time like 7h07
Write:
8h33
